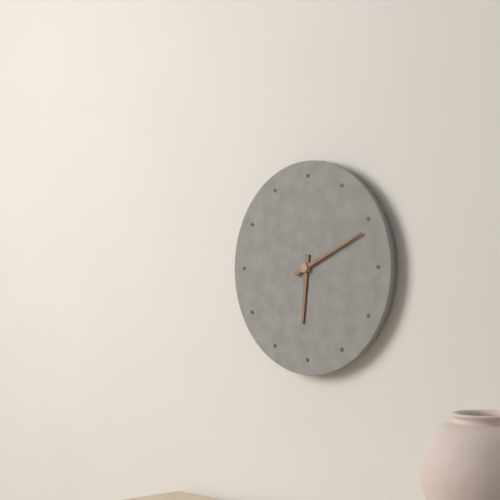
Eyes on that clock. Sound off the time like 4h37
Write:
6h11
